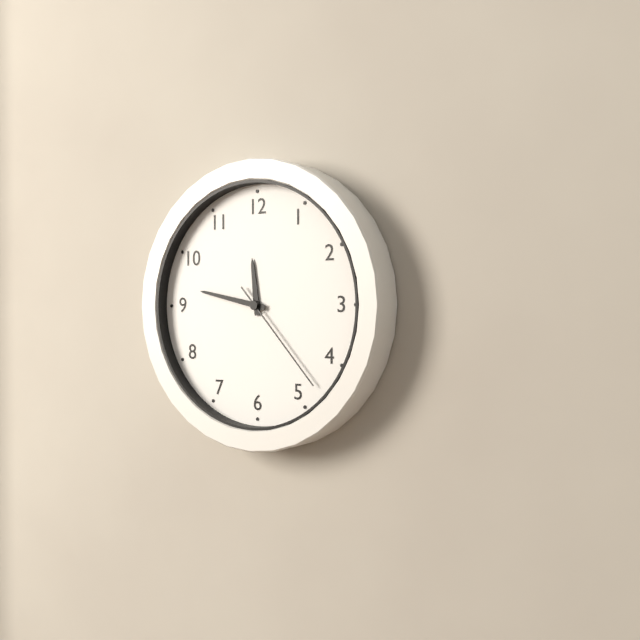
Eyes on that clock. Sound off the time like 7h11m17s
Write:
11h47m23s
